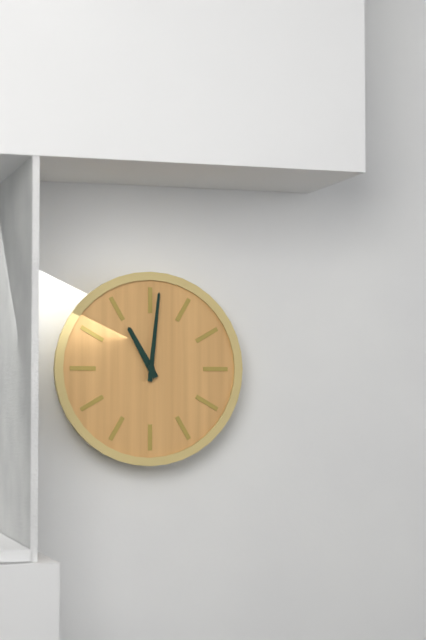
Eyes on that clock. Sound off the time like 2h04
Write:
11h01
